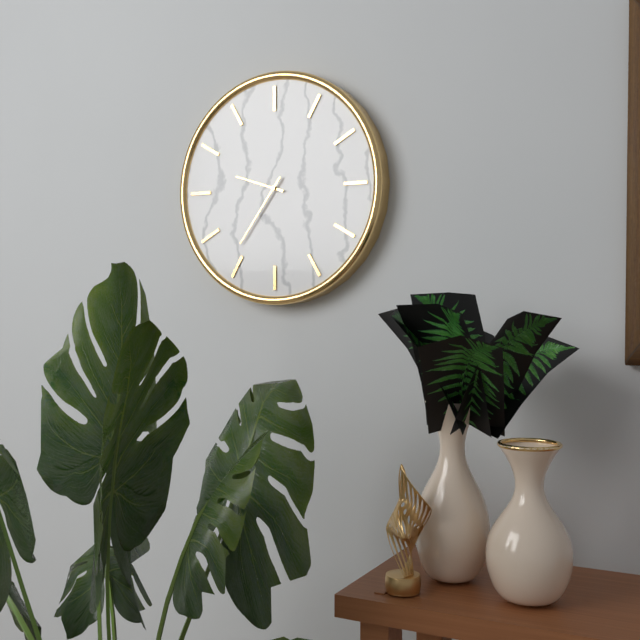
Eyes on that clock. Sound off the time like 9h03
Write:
9h36
